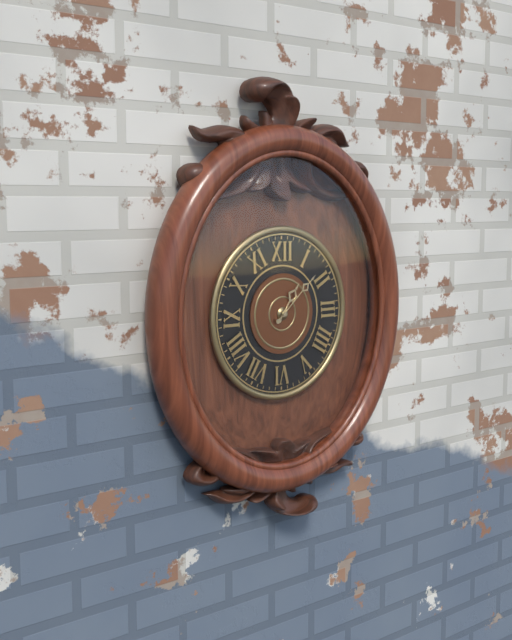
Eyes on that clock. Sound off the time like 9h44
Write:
1h08
